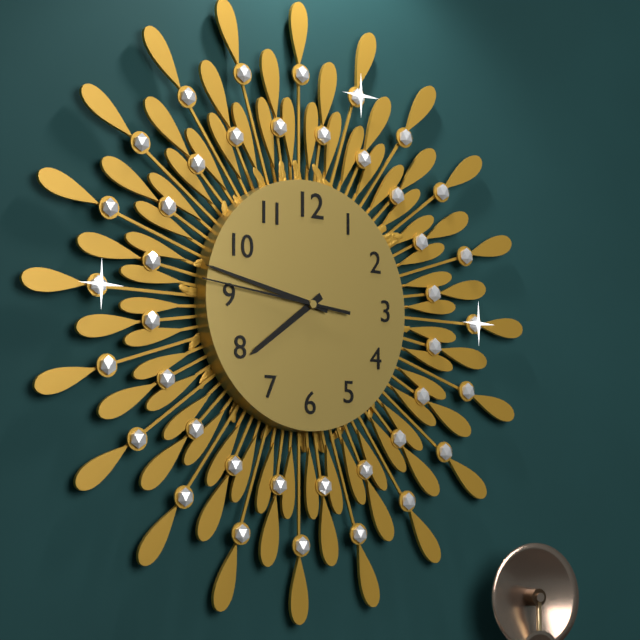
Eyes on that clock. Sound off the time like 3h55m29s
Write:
7h47m46s
